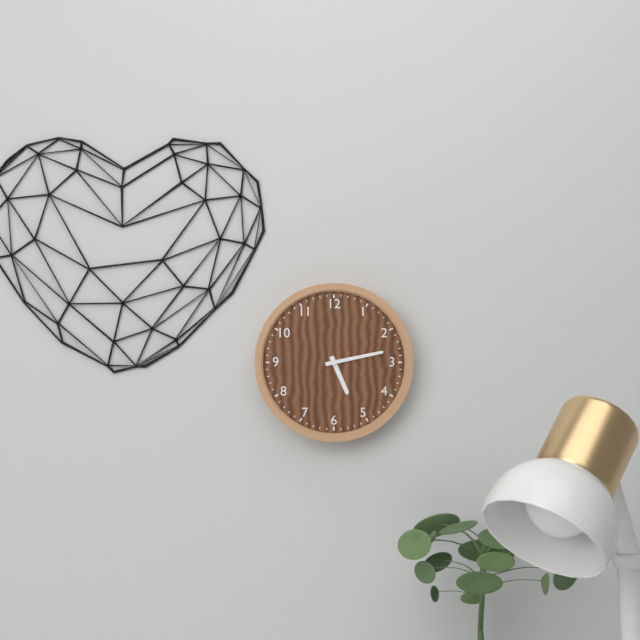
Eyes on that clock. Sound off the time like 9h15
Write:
5h13
